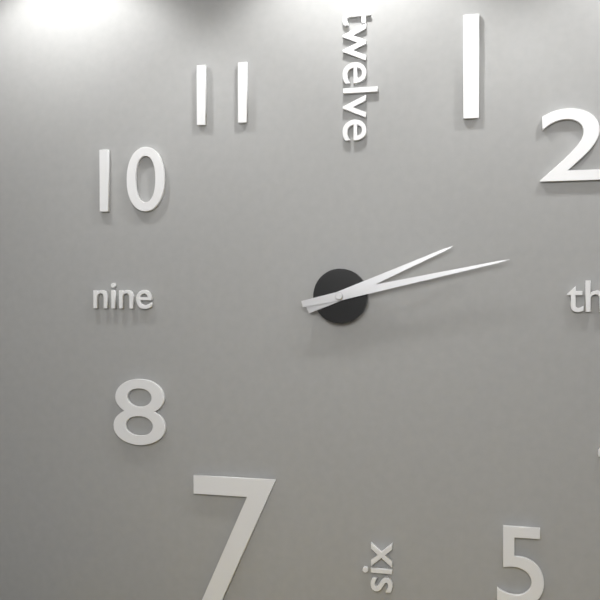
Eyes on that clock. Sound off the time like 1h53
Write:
2h13
